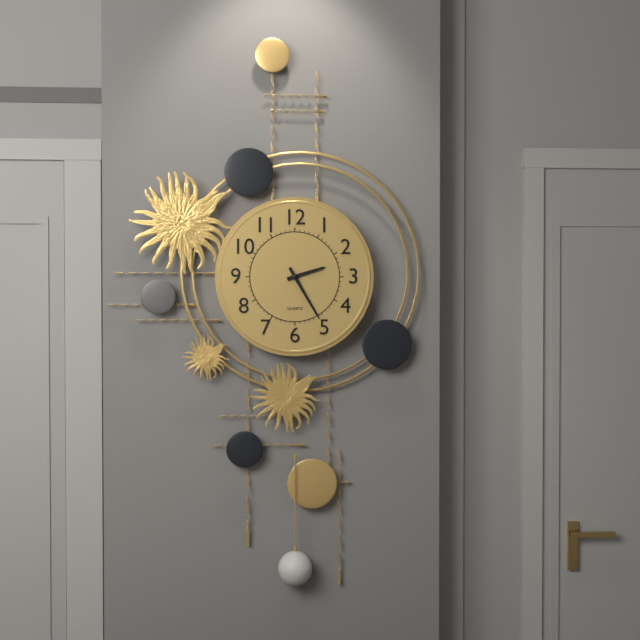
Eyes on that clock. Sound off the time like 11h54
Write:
2h25
